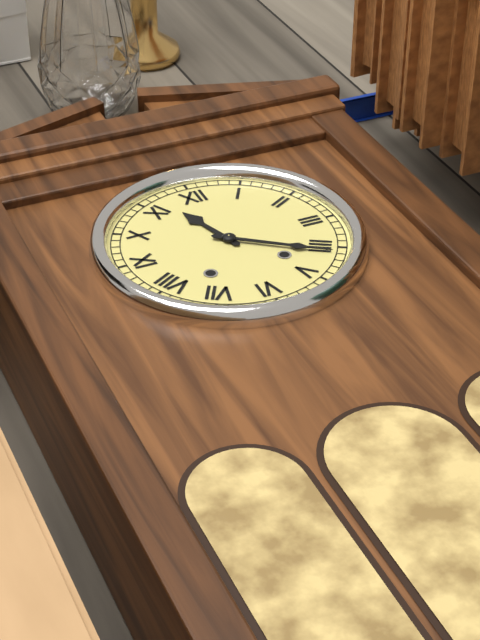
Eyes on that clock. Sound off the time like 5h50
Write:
11h21
